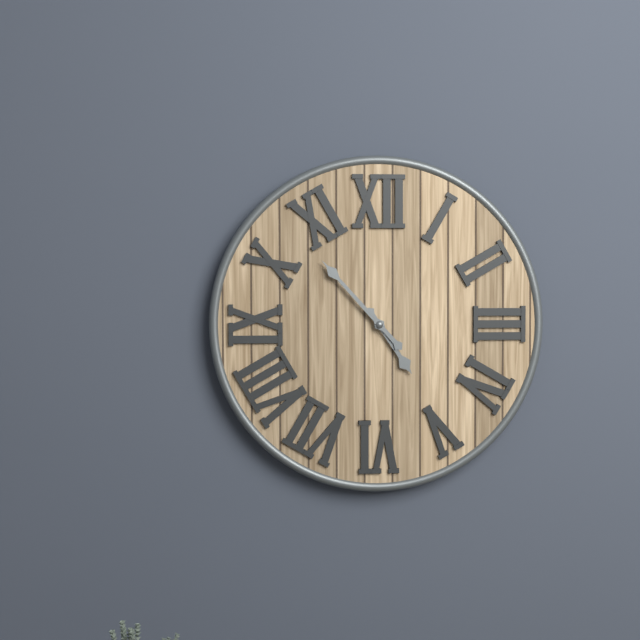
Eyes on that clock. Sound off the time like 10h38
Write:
4h53
